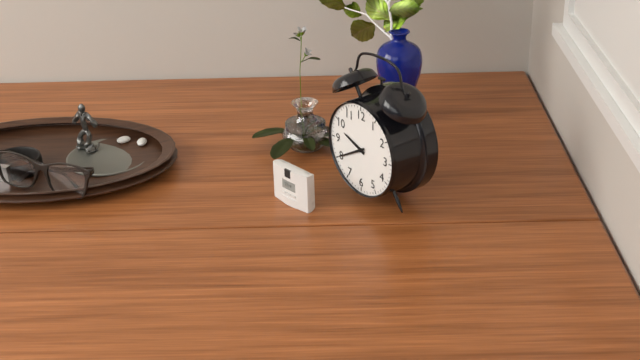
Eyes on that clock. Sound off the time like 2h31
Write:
9h40
